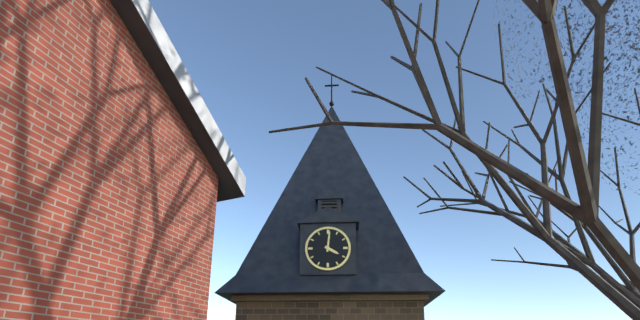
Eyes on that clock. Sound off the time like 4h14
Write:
4h01
